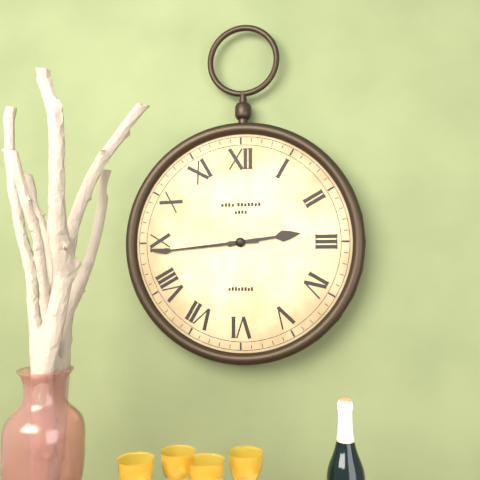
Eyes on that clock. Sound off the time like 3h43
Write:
2h44
